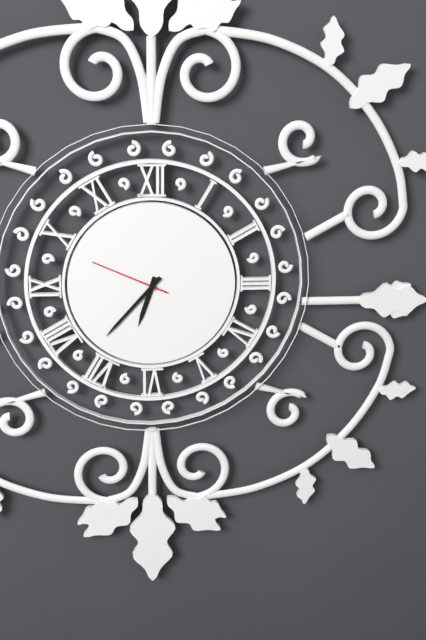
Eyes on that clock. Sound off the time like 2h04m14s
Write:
6h37m49s
